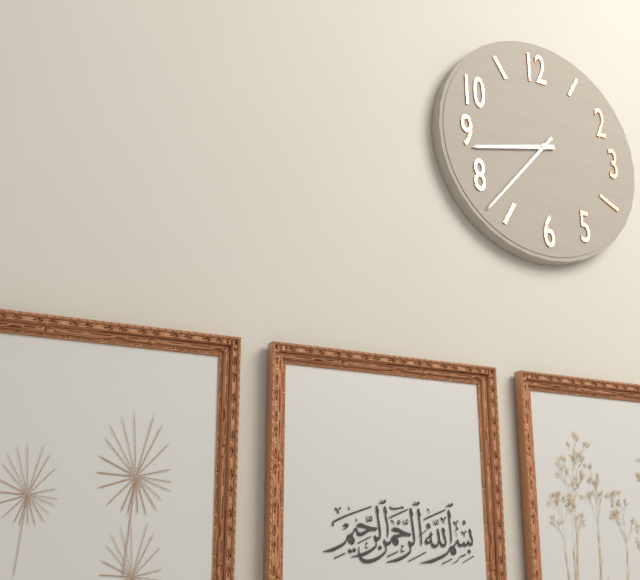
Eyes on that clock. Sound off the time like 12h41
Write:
8h37
